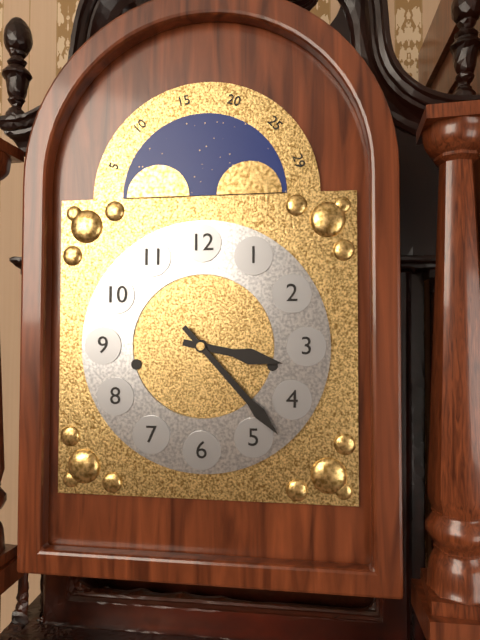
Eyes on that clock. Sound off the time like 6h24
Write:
3h23
